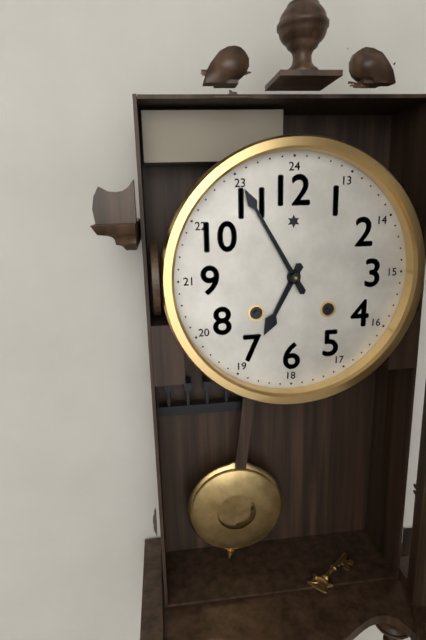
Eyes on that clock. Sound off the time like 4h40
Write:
6h55
